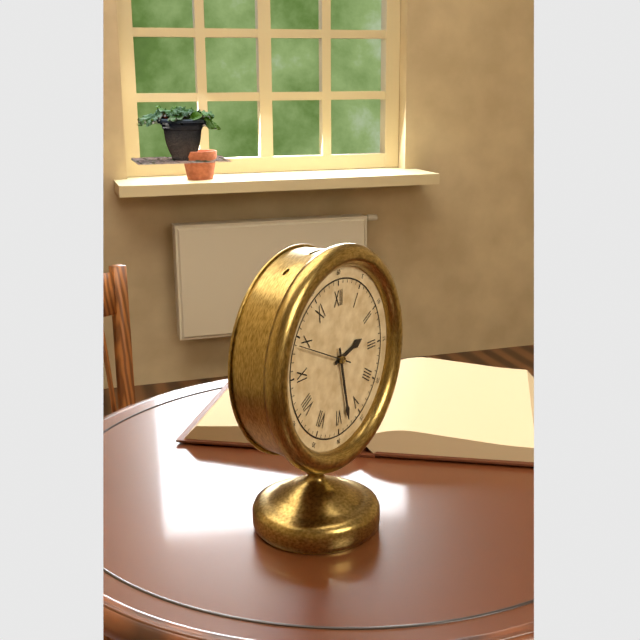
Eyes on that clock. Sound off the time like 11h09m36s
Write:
2h28m49s
